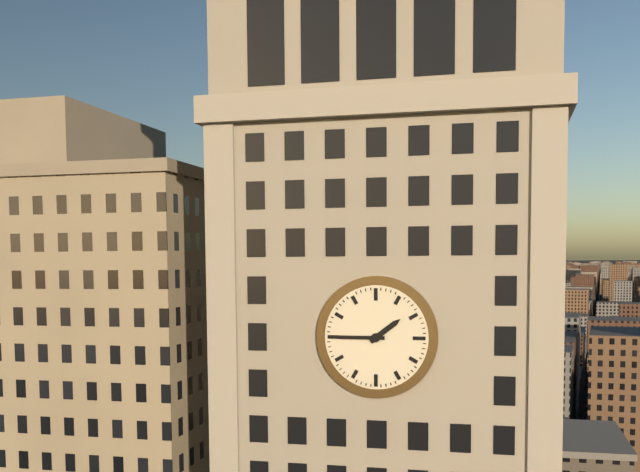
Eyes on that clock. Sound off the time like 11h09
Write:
1h45
